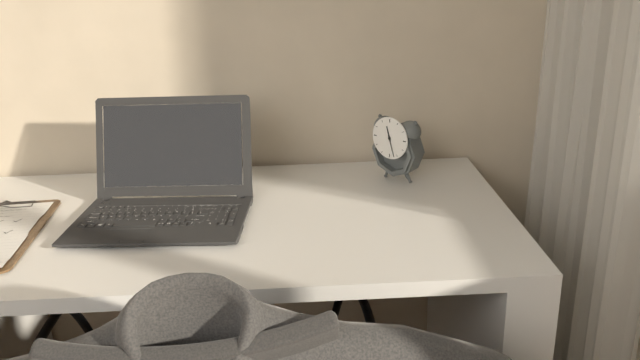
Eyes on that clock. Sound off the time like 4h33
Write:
11h27
